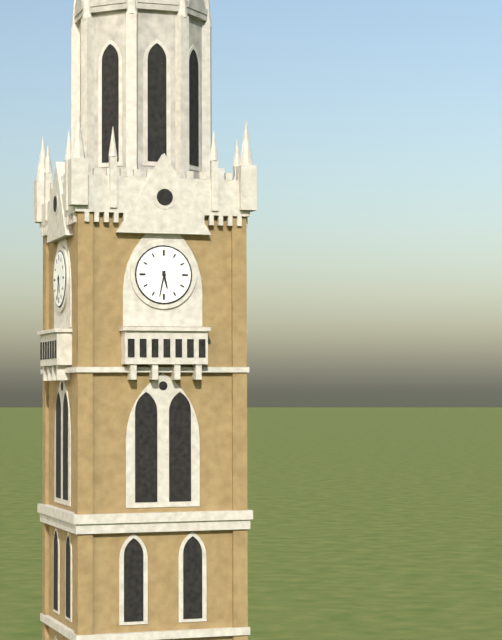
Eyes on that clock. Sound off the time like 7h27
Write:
5h32
